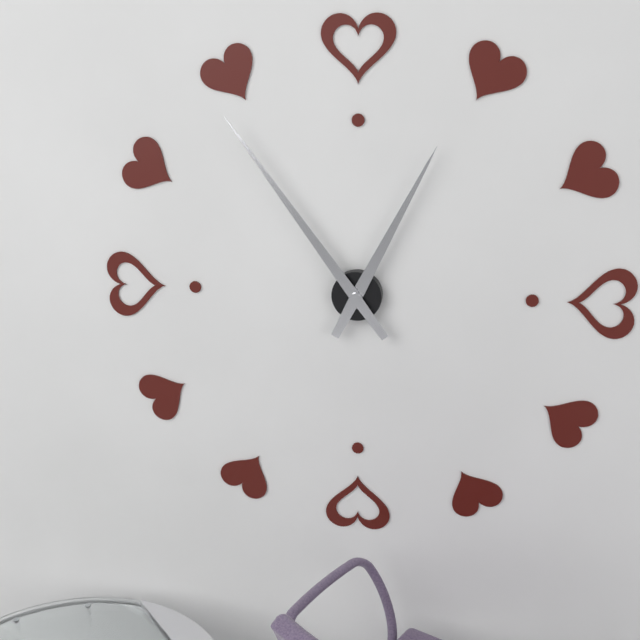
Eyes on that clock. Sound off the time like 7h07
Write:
12h54
